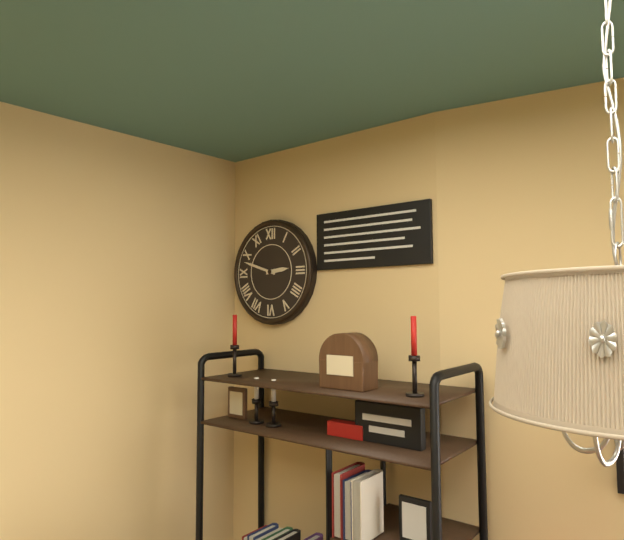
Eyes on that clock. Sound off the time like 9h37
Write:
2h48
